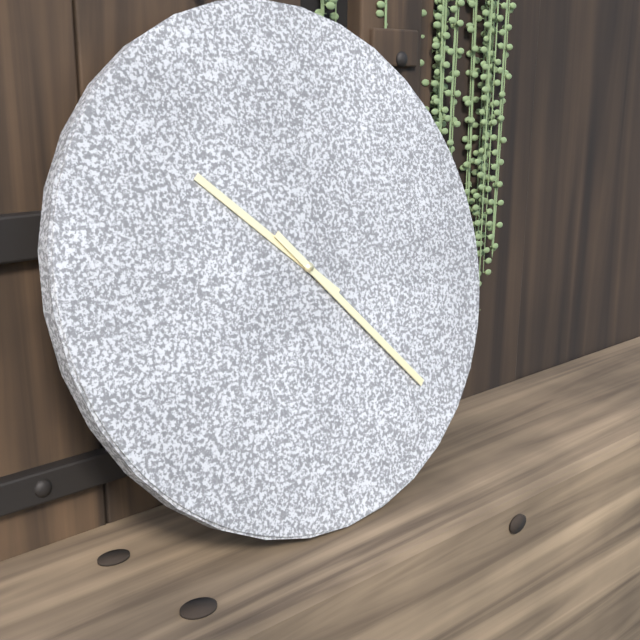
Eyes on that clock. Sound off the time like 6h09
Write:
10h23
